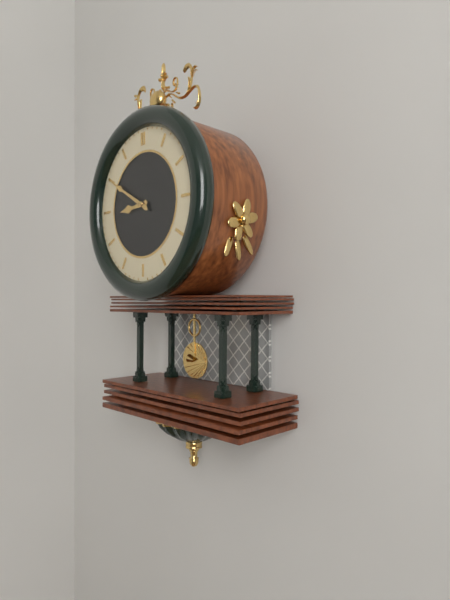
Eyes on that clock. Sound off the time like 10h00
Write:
8h50
